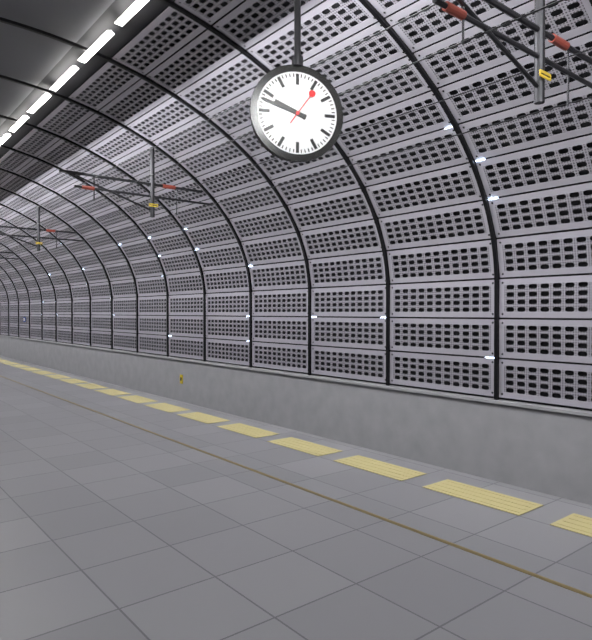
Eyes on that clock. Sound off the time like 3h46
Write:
9h48
